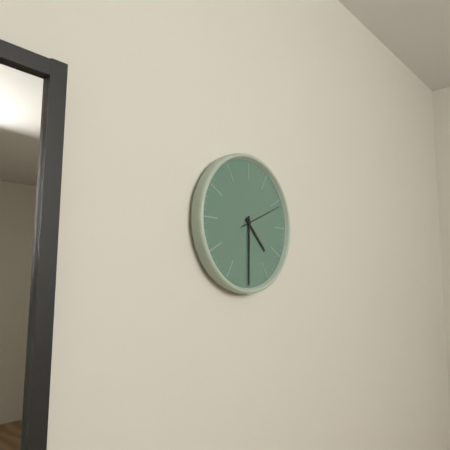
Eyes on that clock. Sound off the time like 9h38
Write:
4h30
